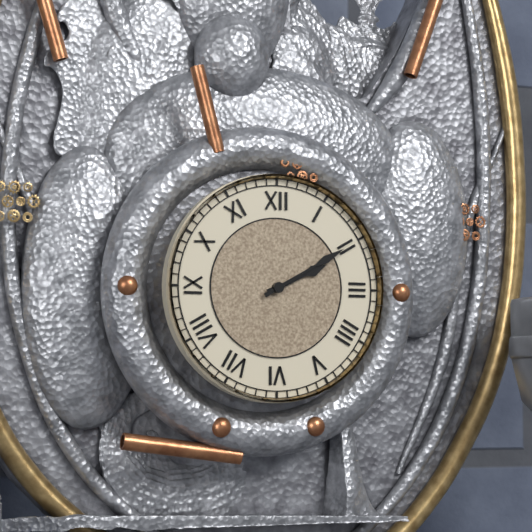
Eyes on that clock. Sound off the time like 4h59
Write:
2h10
